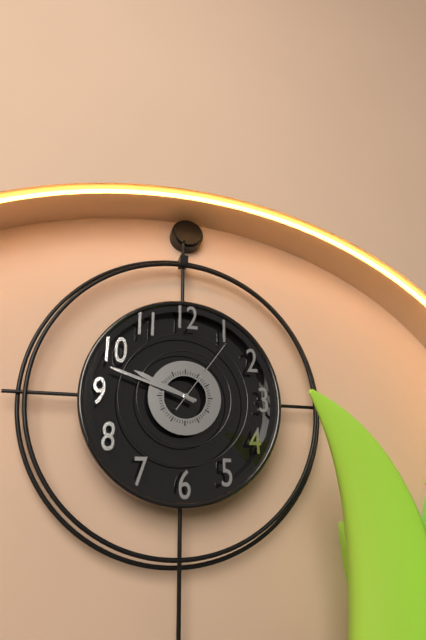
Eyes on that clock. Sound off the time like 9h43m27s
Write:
9h48m06s
